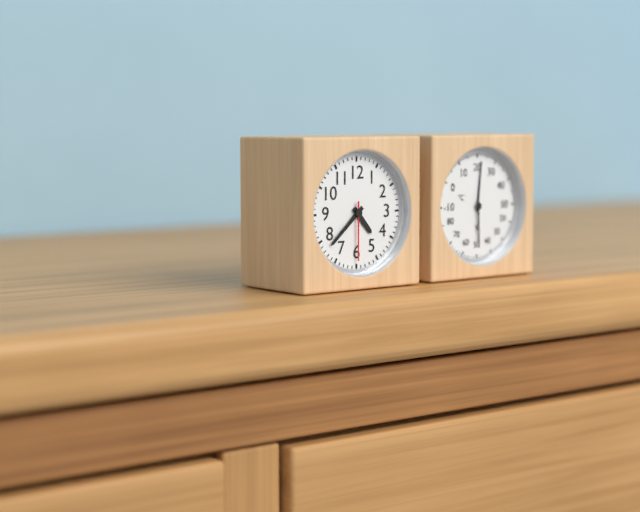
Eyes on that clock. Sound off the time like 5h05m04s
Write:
4h38m30s
